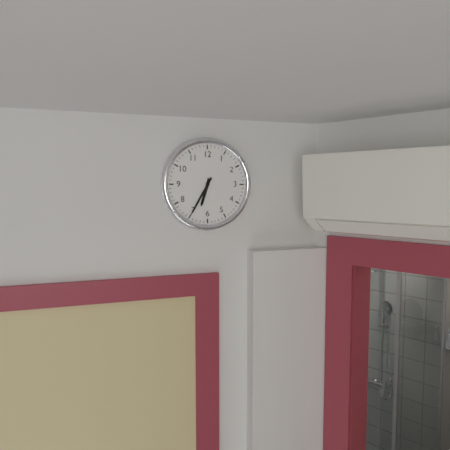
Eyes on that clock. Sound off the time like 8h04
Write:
6h35
